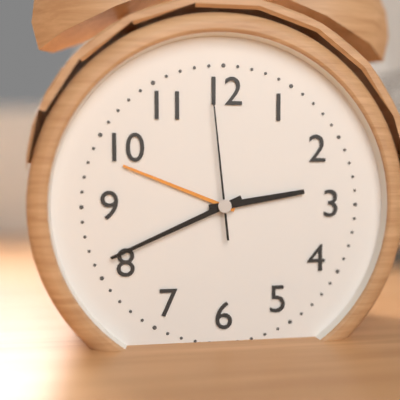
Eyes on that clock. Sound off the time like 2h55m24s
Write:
2h41m59s
